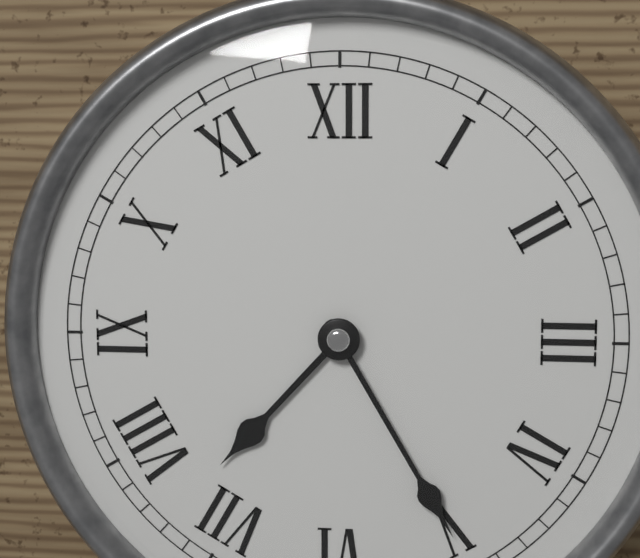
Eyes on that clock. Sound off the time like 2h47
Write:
7h25
